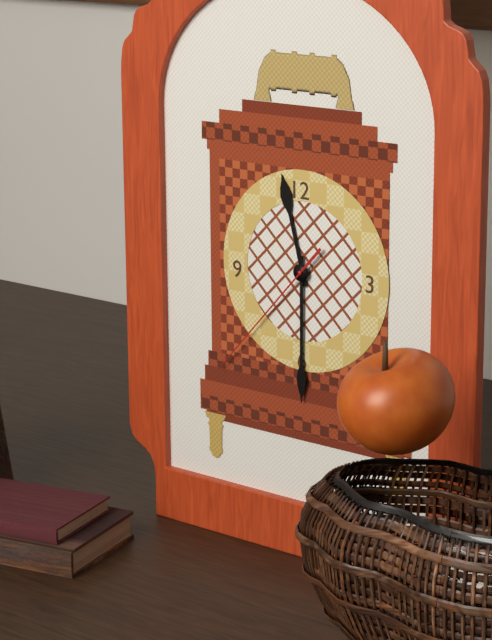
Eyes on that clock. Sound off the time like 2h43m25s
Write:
11h30m37s
